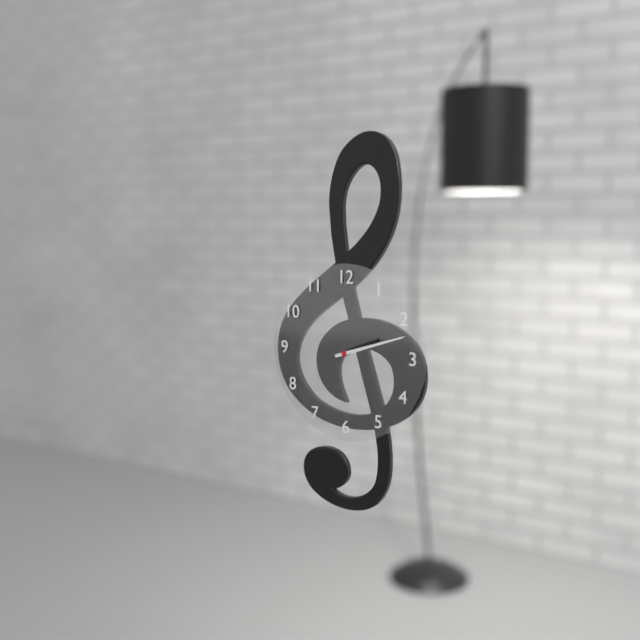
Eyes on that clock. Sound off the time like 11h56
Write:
2h12
